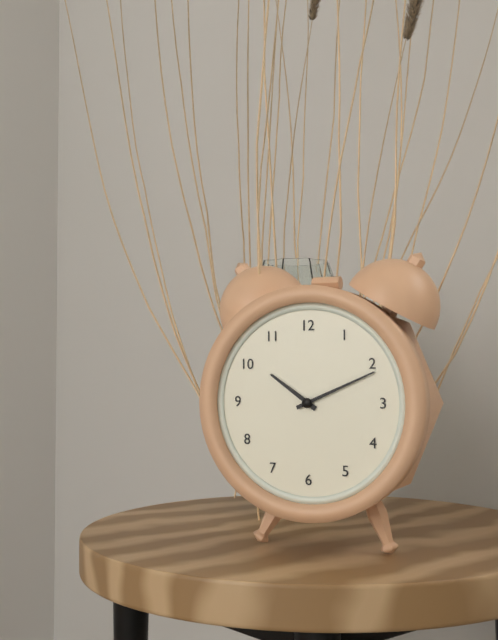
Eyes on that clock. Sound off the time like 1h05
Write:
10h11
